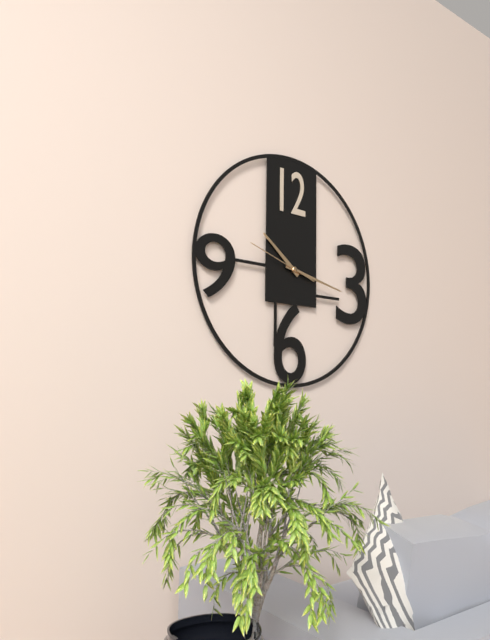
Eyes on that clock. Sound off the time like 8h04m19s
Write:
10h17m48s
